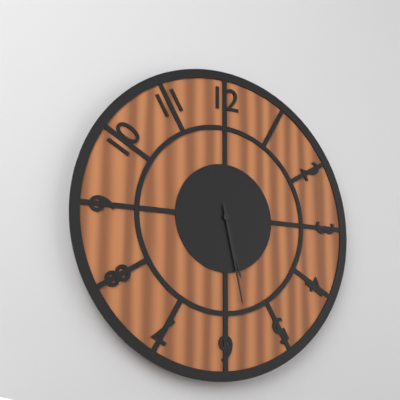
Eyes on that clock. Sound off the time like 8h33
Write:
5h28
